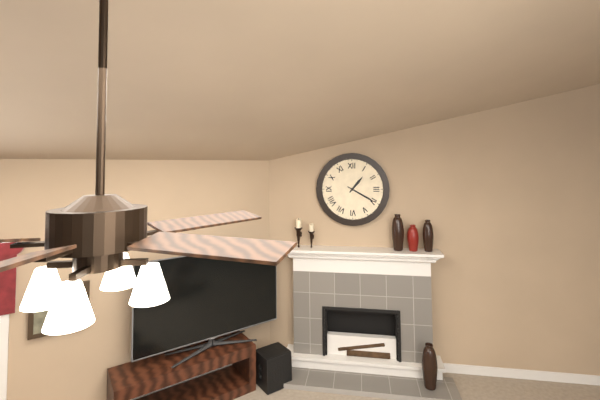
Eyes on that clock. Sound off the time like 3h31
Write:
1h20
